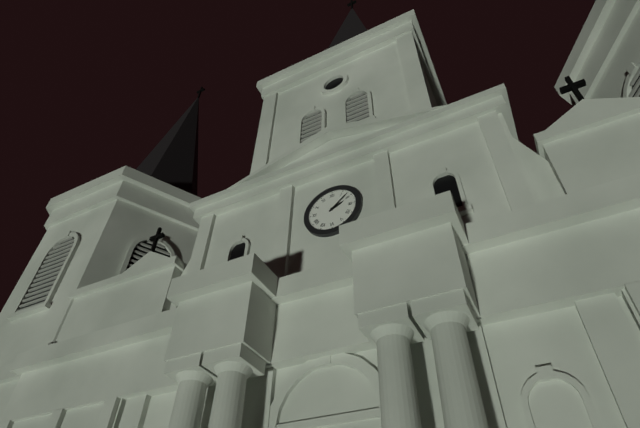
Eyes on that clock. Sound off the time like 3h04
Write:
2h08
